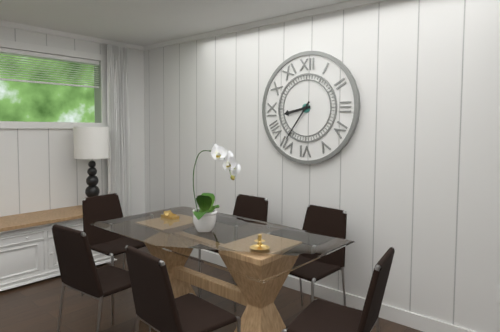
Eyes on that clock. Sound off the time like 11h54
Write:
8h36
